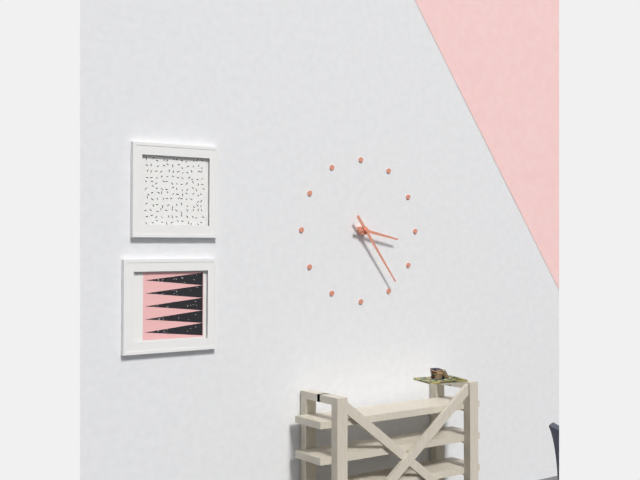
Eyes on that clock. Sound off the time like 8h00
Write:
3h24
